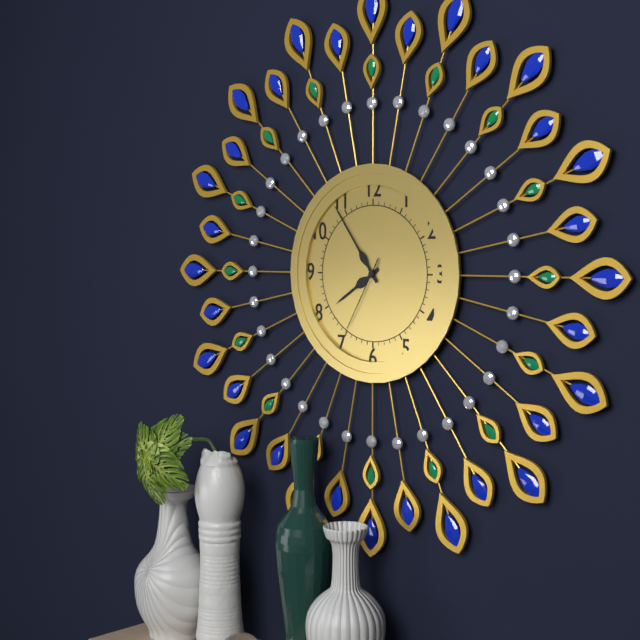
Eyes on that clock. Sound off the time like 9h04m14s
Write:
7h54m35s
